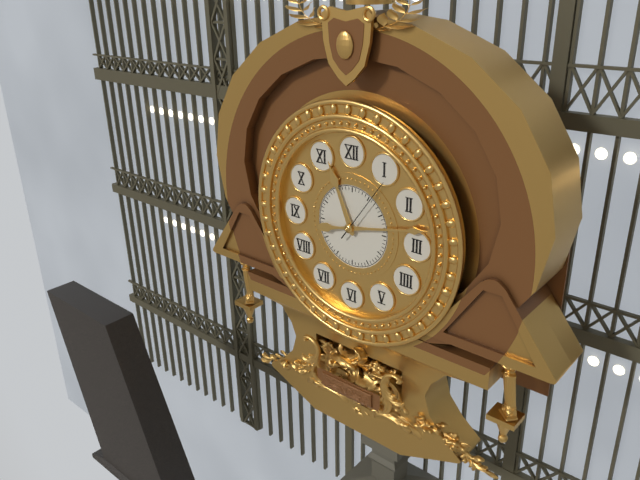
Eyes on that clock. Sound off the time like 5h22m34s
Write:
11h13m06s
